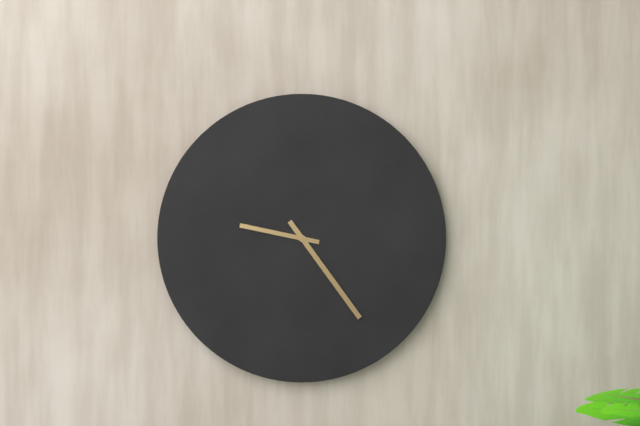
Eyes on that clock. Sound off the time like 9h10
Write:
9h24
